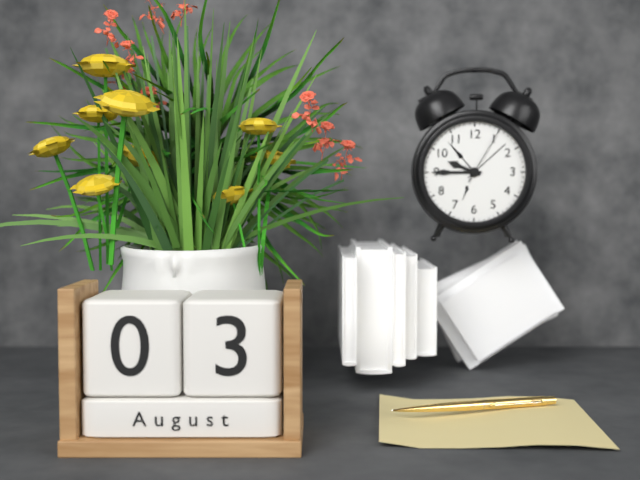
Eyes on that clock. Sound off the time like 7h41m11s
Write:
9h45m05s
